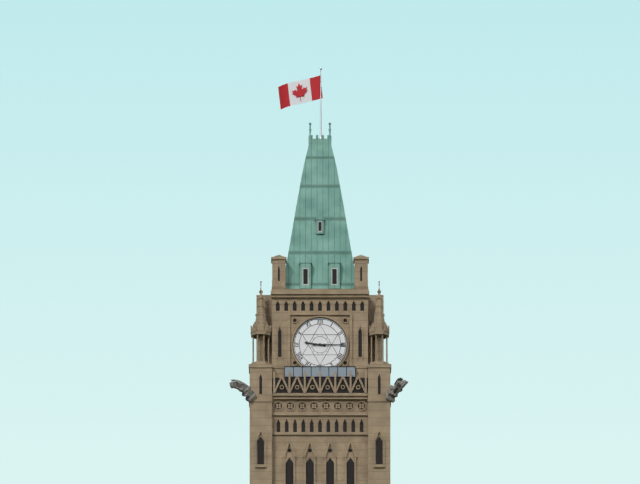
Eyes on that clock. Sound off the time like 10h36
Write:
9h15
